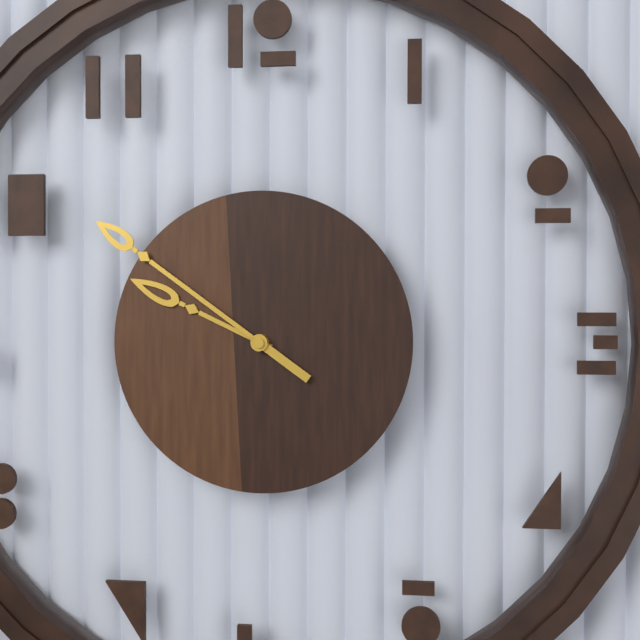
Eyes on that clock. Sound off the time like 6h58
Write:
9h51
